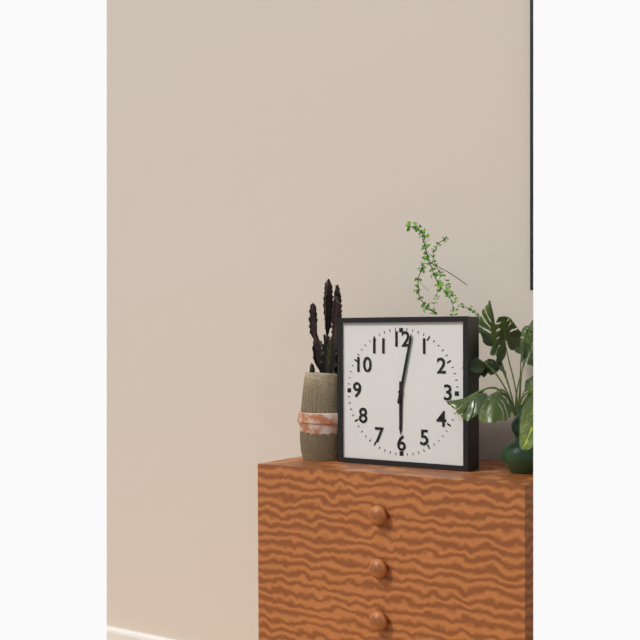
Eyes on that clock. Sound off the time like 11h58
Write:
6h02
